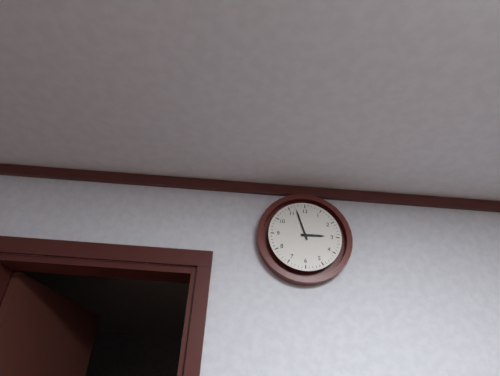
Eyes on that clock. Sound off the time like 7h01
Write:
2h57
